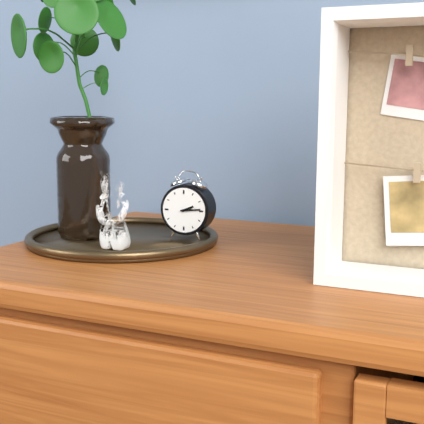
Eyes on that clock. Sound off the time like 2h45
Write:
2h14
